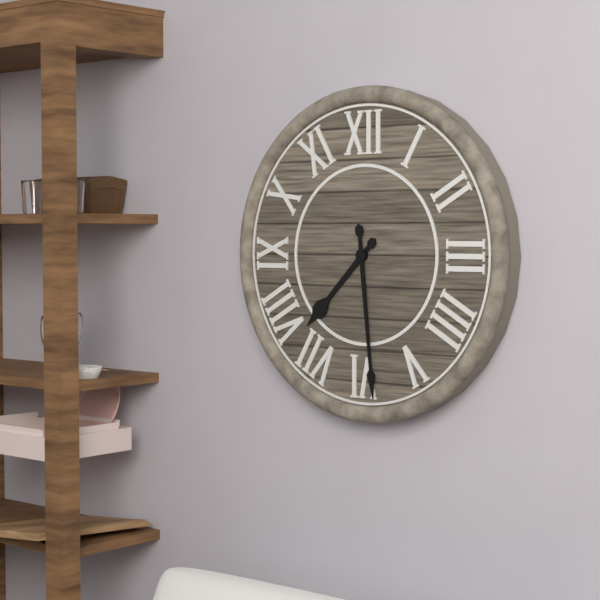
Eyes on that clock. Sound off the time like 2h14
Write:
7h29
